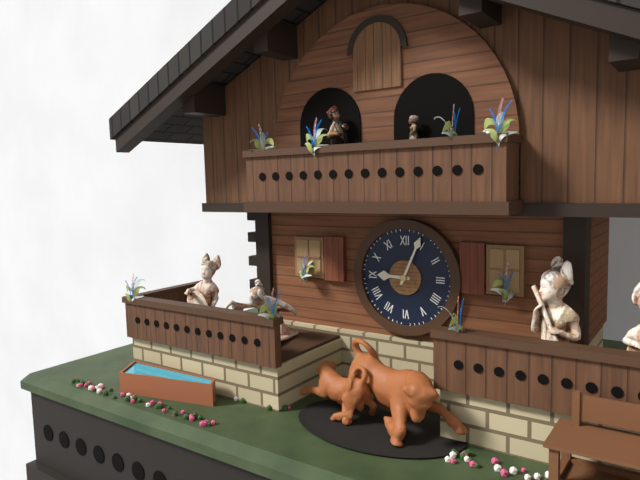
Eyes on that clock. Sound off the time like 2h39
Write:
9h04
